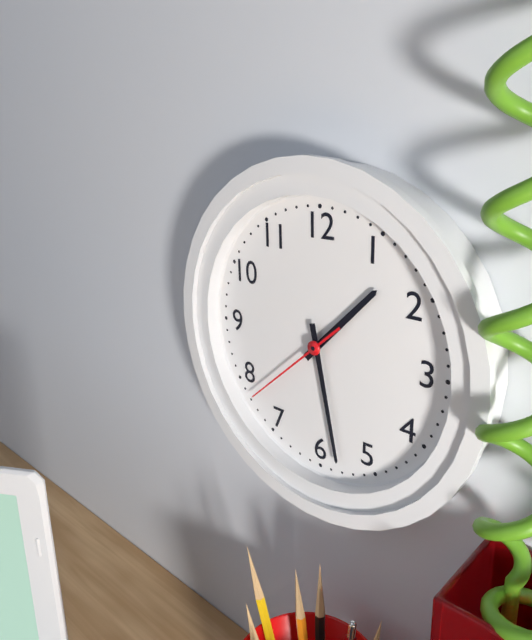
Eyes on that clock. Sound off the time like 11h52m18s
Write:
1h28m38s
